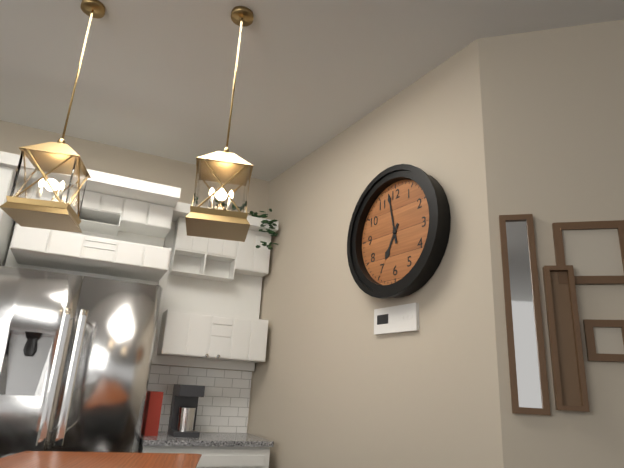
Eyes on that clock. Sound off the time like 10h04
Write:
6h58
